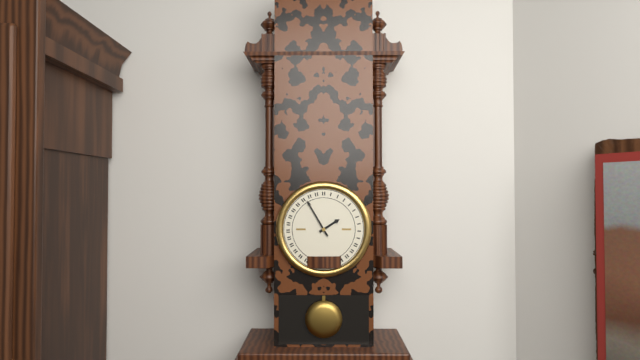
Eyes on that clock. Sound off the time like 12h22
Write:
1h55
